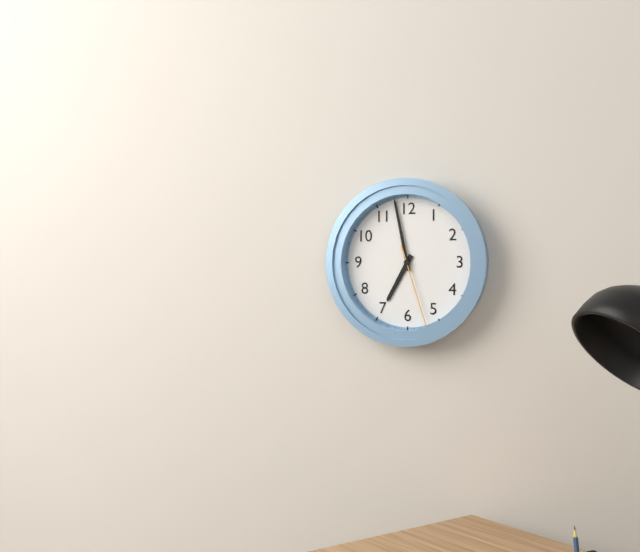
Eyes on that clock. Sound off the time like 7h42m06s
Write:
6h58m27s
